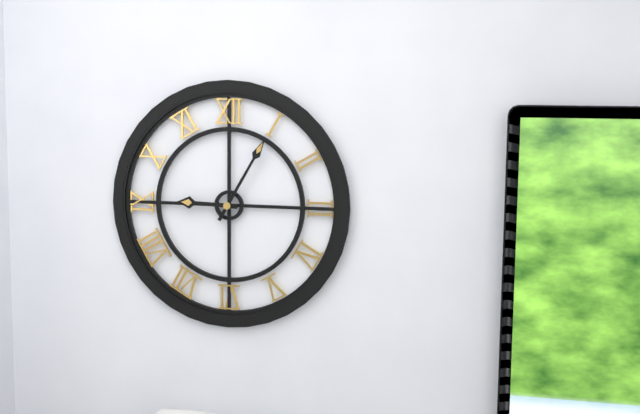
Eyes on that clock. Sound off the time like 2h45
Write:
9h05
